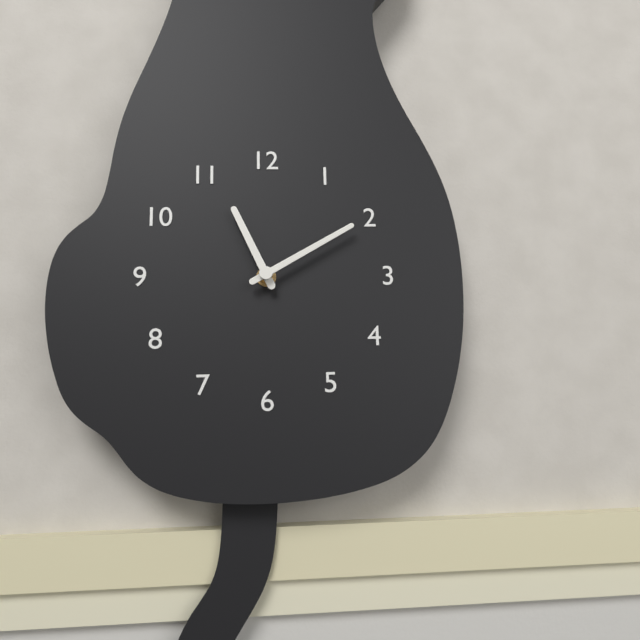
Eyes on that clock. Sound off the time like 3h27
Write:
11h10
